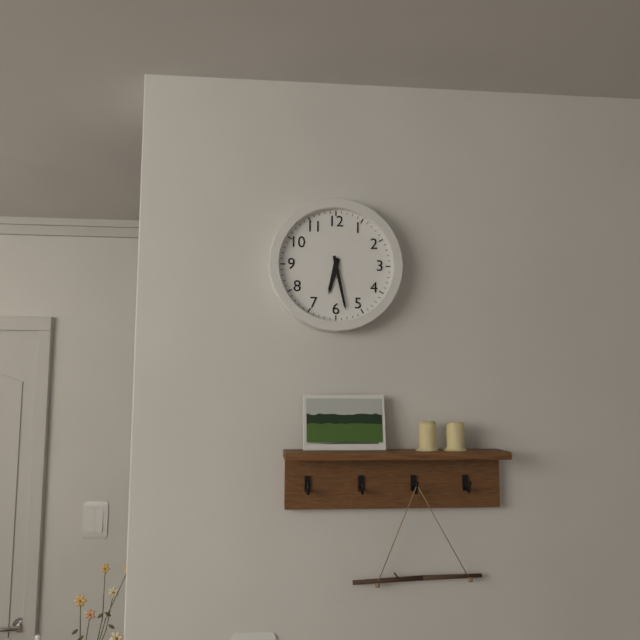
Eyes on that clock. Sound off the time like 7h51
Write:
6h28
